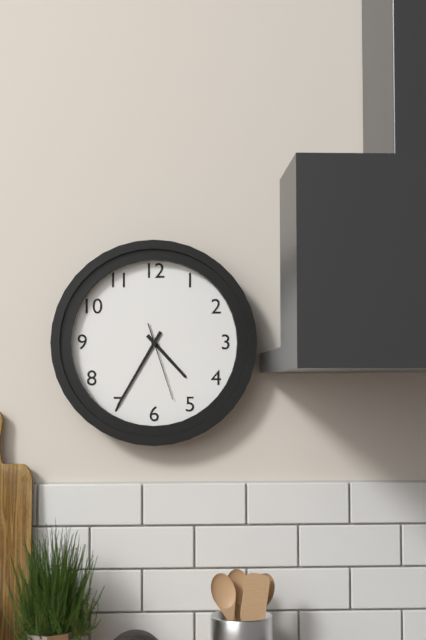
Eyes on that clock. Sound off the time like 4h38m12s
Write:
4h35m27s
